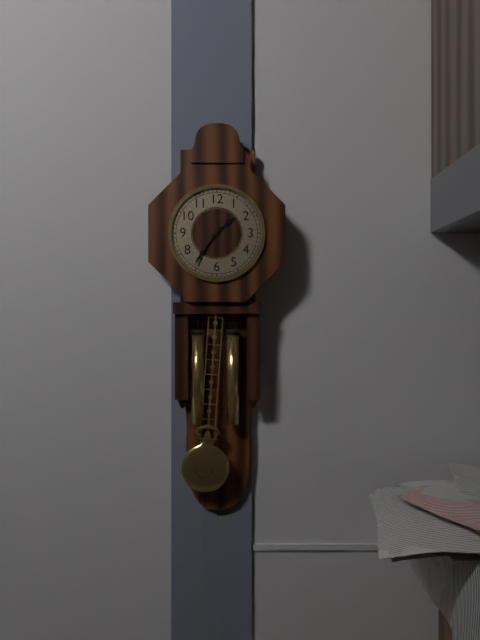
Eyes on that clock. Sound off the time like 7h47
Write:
1h36
